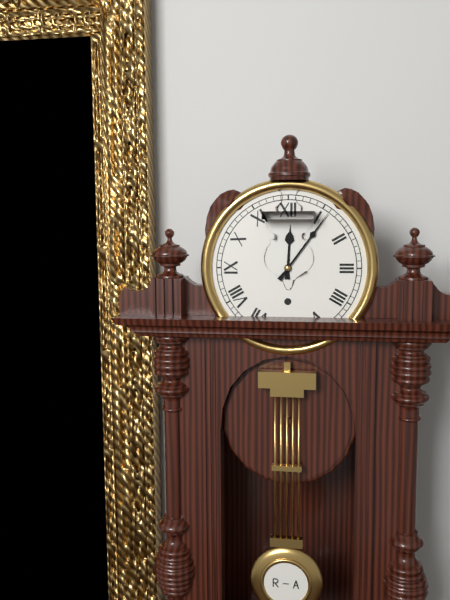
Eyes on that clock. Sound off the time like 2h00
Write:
12h06
